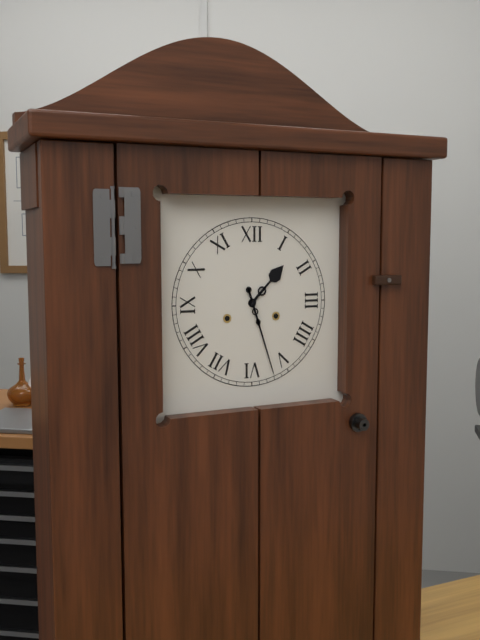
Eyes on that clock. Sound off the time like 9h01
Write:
1h27
